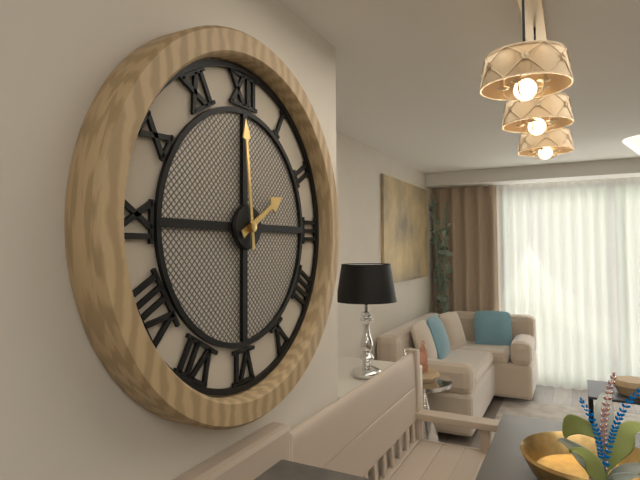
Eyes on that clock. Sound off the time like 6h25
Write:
1h59
